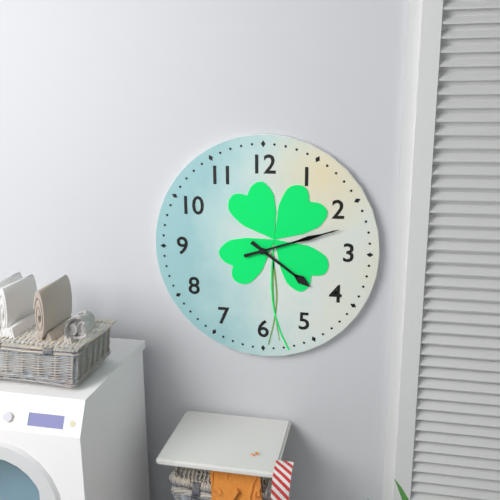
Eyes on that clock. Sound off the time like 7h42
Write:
4h12
